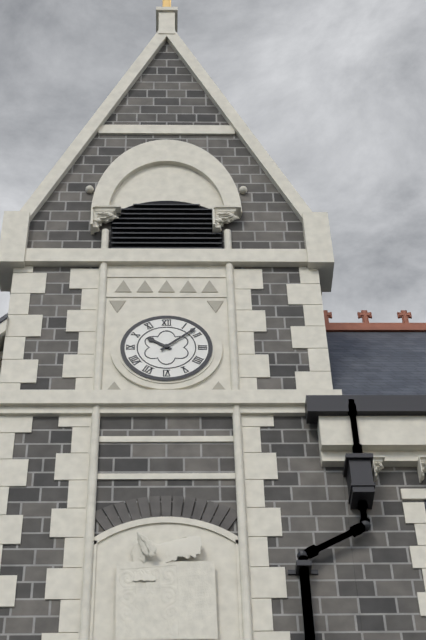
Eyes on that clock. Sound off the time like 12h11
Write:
10h08
